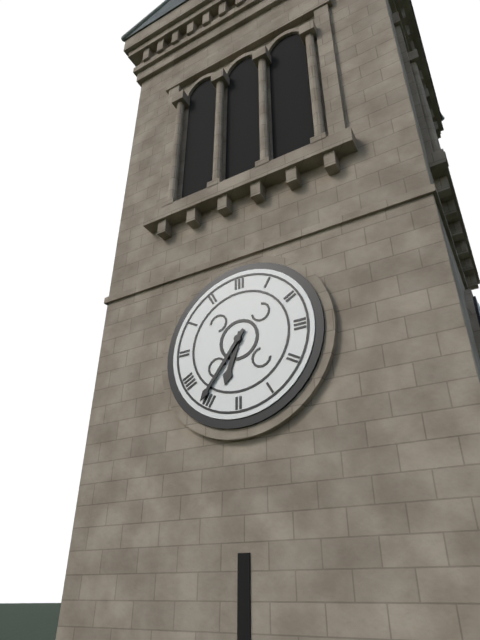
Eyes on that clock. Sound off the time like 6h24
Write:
6h36
